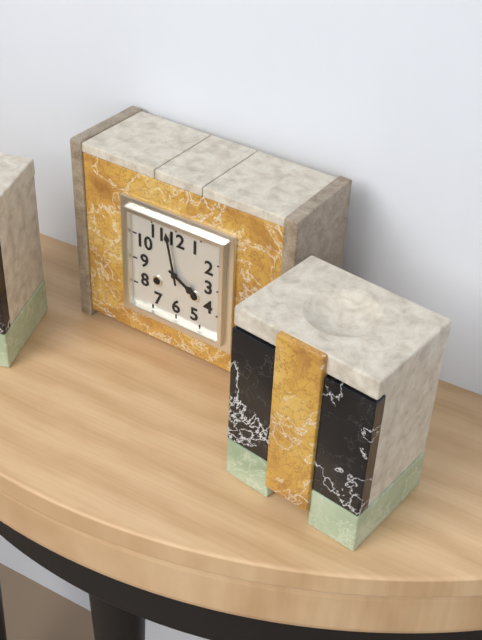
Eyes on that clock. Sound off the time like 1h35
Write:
3h58
